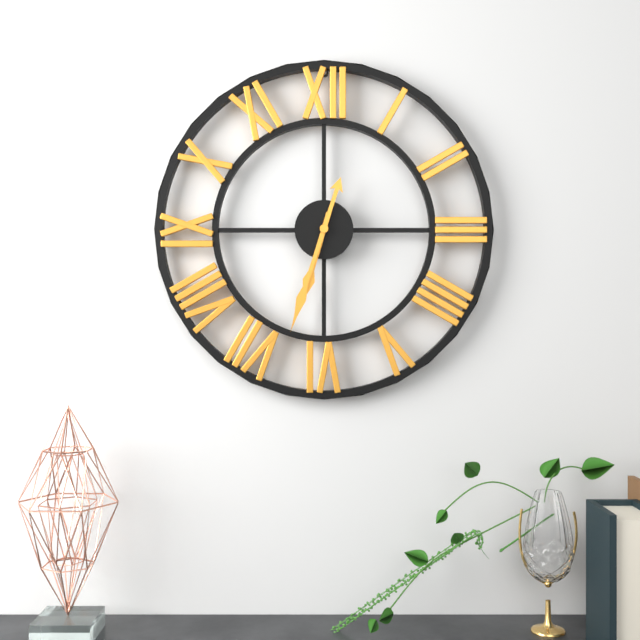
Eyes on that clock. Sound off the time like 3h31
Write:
6h33
